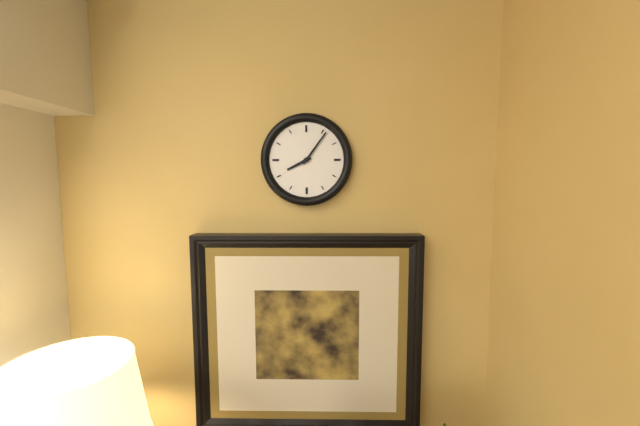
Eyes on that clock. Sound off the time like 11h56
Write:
8h06
